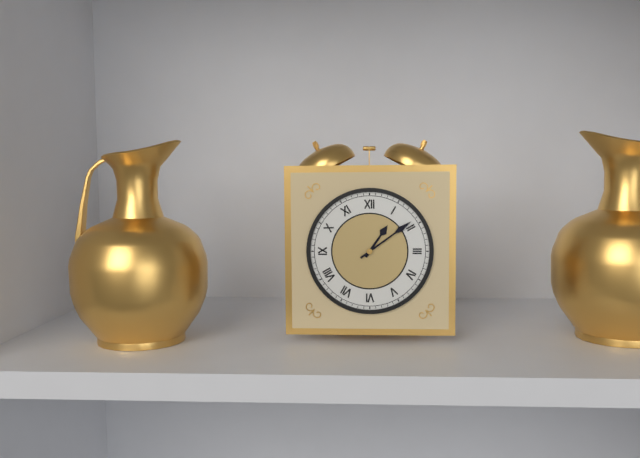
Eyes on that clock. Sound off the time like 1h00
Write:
1h09
